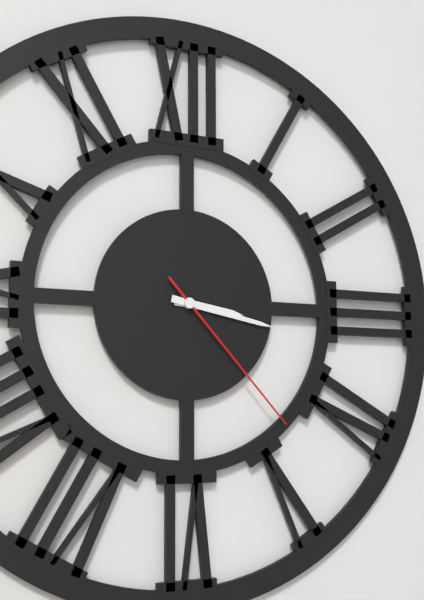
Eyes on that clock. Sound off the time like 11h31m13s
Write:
3h17m23s
